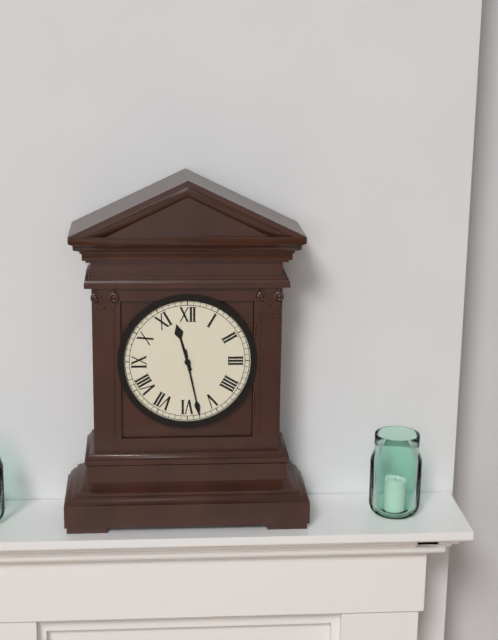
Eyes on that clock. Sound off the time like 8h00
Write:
11h28
